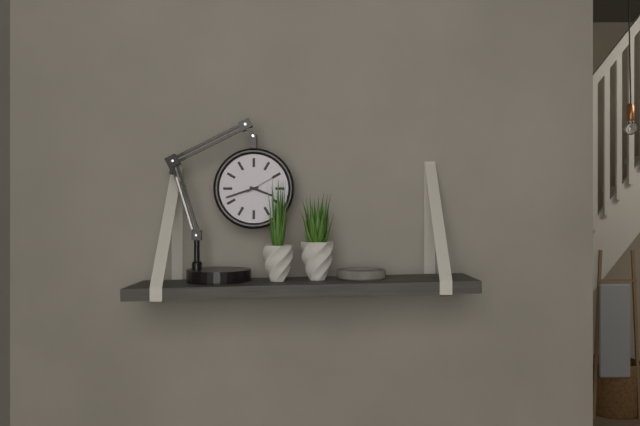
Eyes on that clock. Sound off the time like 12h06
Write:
3h42
